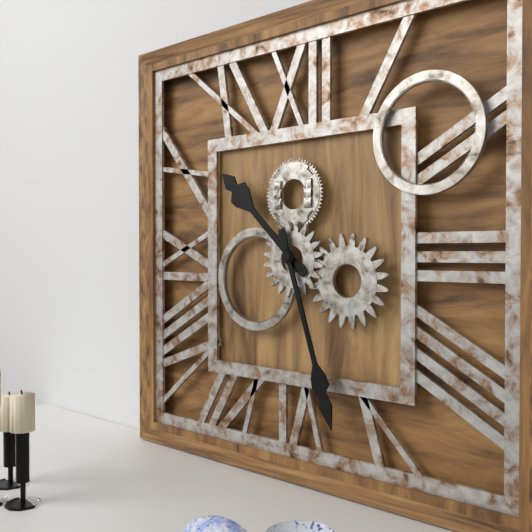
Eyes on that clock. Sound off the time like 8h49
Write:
10h27
